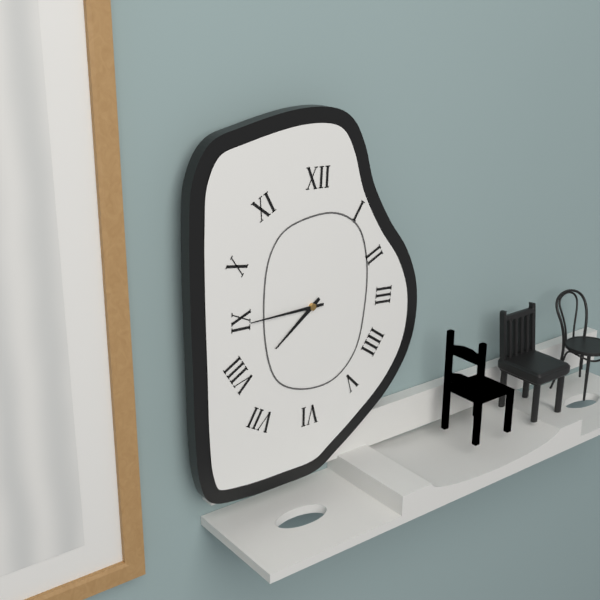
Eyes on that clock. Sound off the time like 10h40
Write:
7h45
